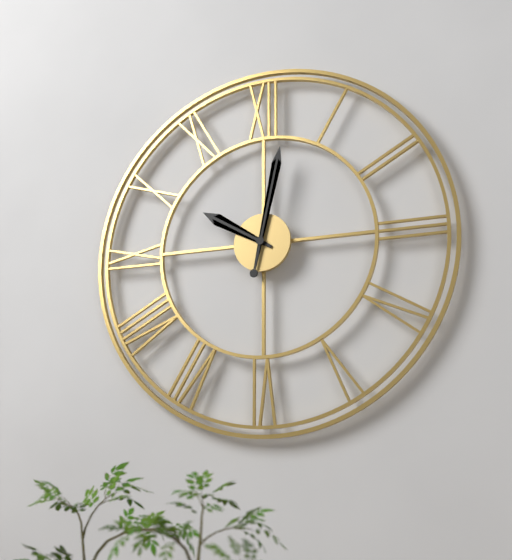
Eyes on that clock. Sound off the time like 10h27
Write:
10h02
